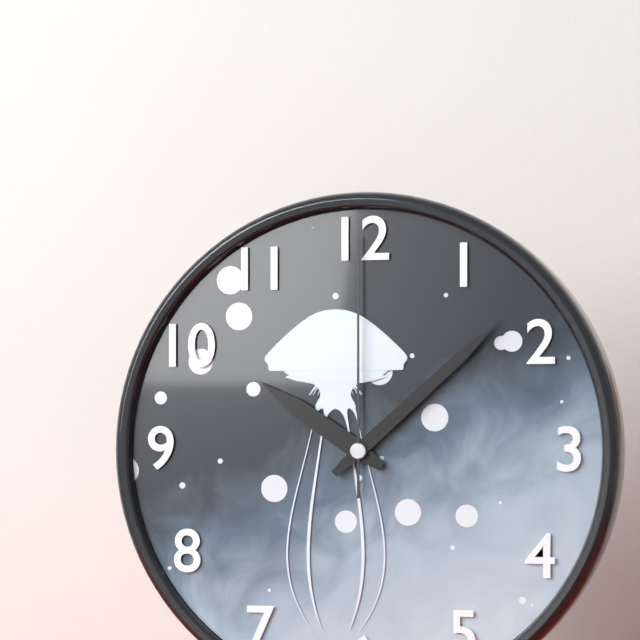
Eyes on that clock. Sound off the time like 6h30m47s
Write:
10h08m00s
